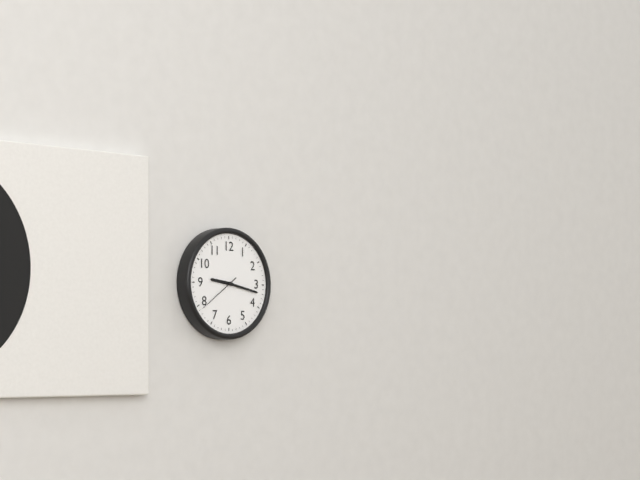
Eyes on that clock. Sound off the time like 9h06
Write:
9h17
